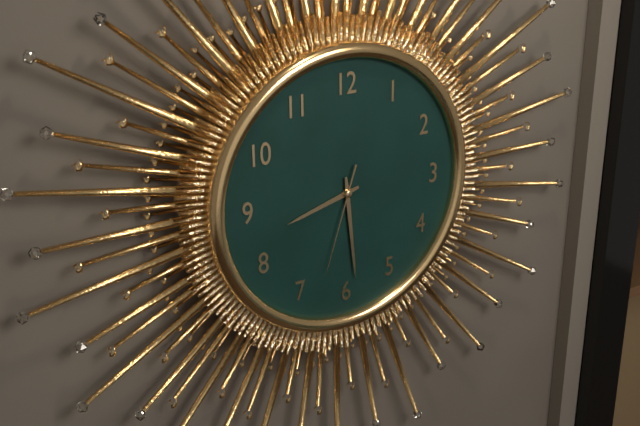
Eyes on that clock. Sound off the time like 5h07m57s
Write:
8h29m33s
